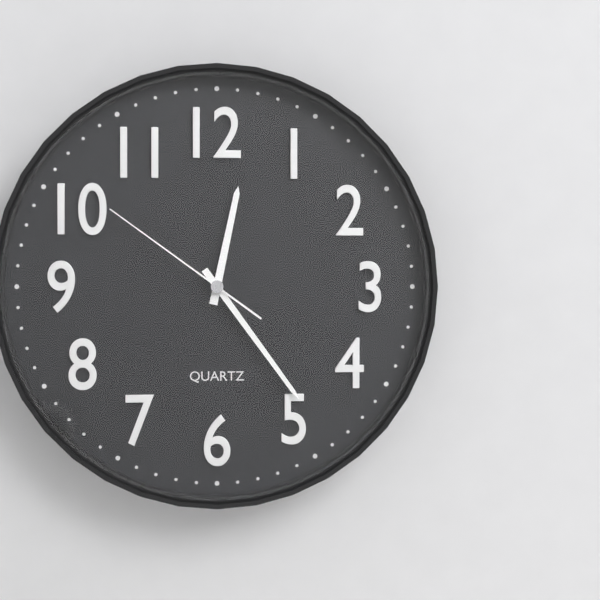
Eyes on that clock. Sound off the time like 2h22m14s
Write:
12h24m51s
